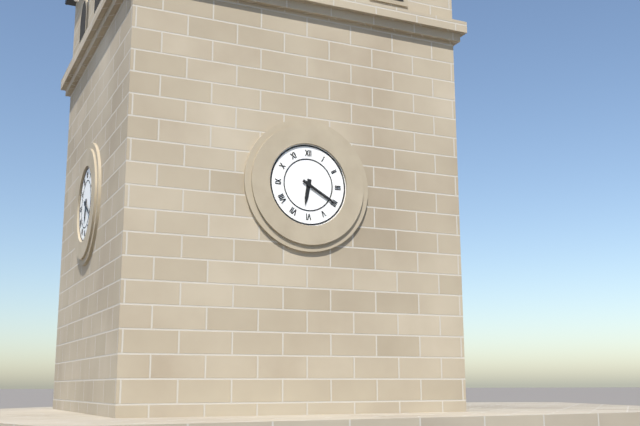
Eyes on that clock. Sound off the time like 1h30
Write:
6h20
